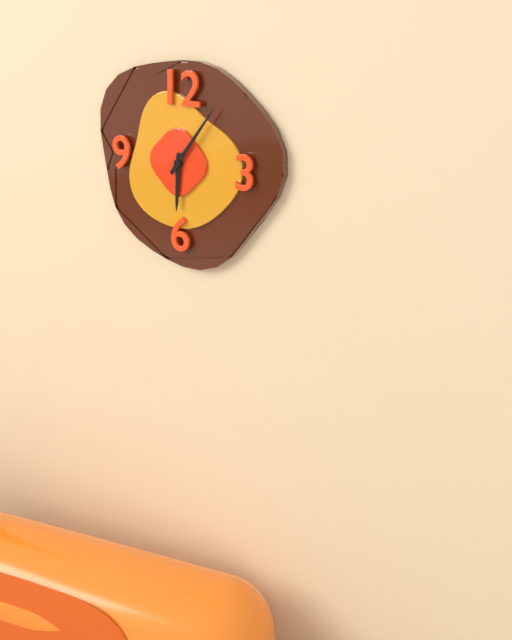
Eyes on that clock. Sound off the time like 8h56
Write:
6h06
